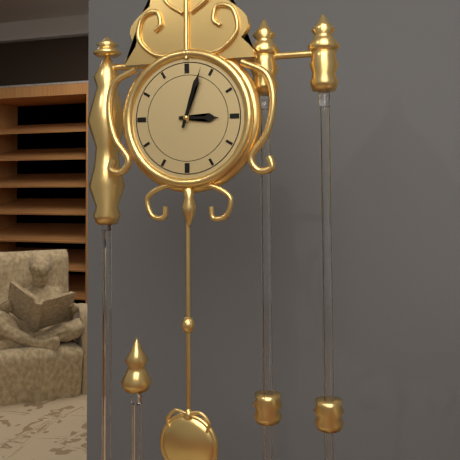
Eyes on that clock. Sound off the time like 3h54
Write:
3h03
